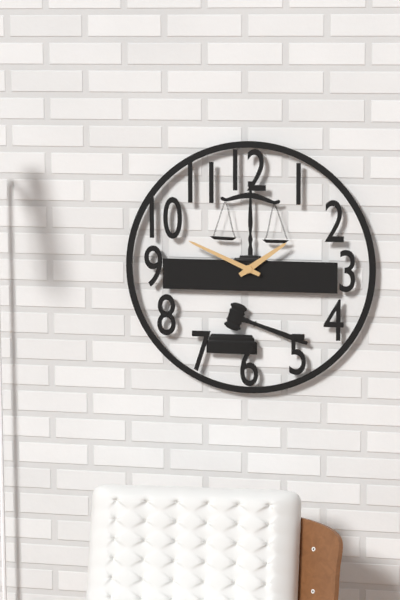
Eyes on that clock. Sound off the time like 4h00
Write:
1h49
